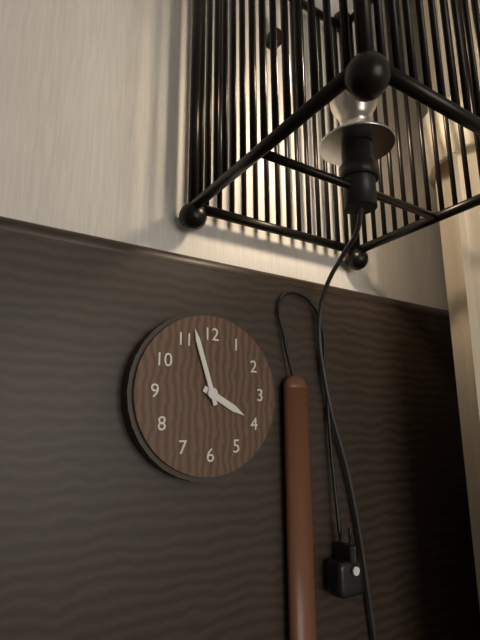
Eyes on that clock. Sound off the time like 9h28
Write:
3h57
